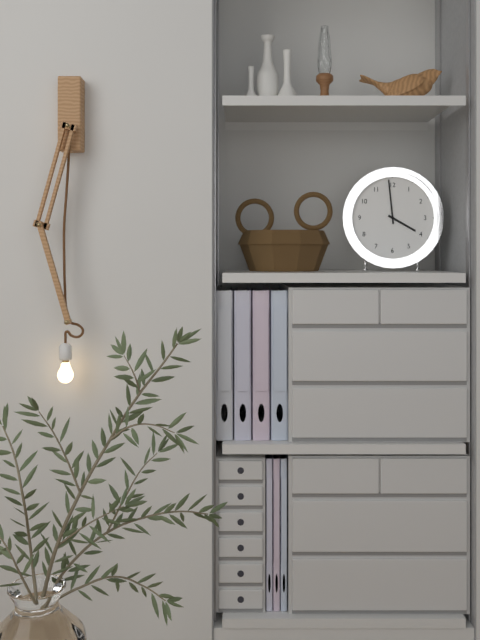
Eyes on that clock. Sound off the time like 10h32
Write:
3h59
